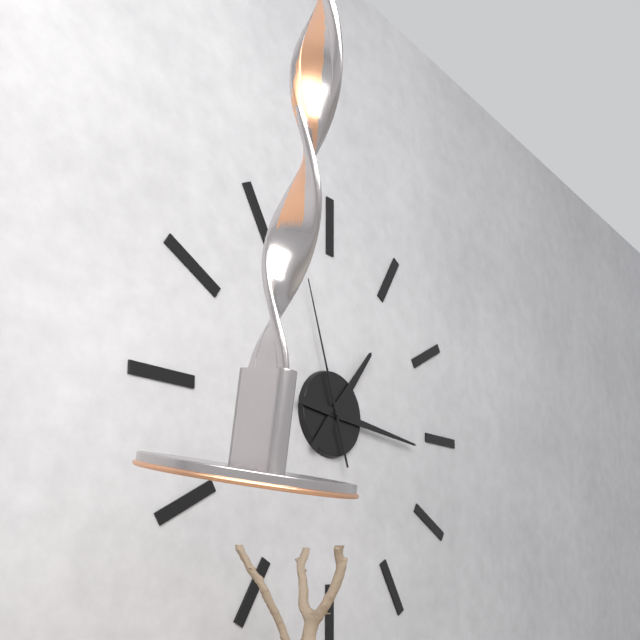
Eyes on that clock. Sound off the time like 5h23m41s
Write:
1h16m57s
